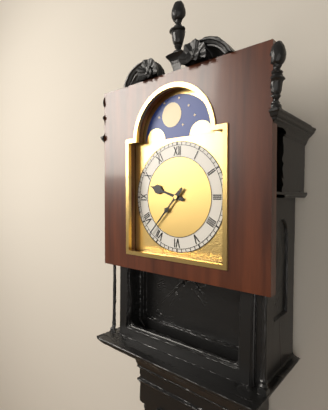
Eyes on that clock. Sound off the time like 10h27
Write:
9h37
